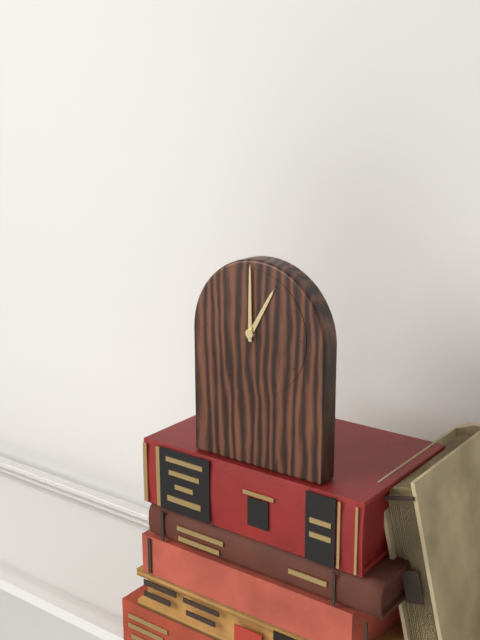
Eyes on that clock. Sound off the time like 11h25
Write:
1h00
